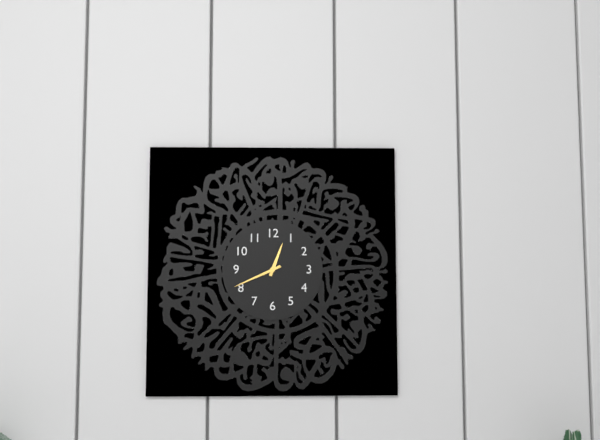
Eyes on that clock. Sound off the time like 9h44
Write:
12h41
